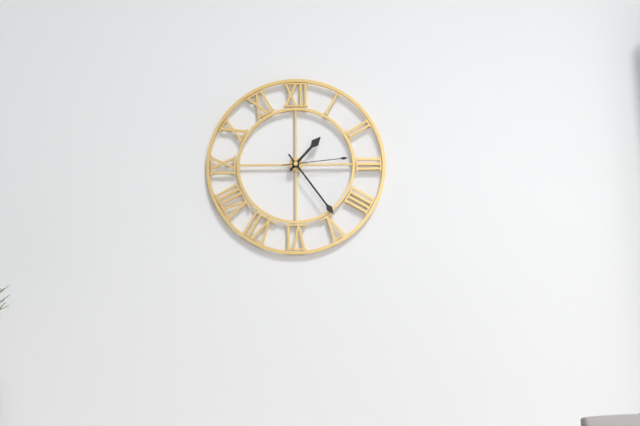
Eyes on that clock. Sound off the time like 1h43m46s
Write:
1h24m14s
